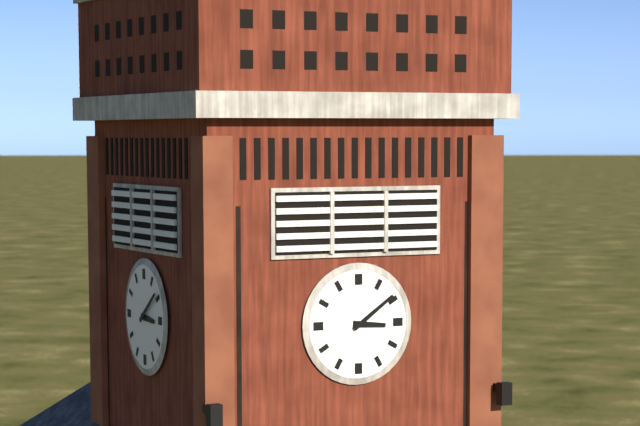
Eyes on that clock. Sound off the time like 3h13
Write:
3h09
